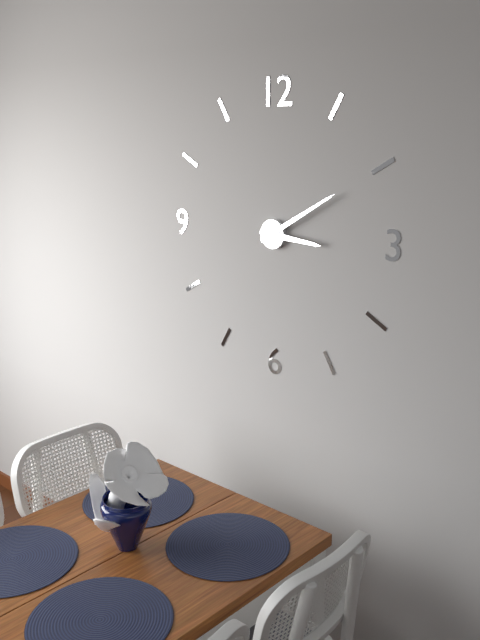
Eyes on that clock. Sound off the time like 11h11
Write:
3h10
